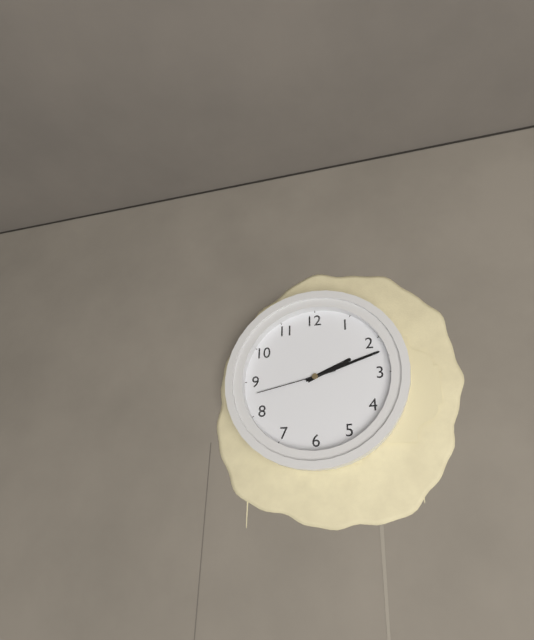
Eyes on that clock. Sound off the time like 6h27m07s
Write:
2h12m43s
